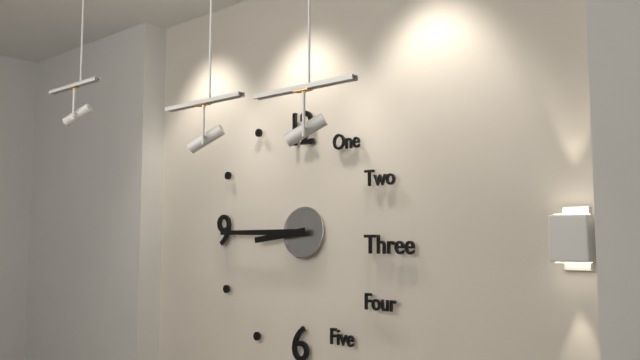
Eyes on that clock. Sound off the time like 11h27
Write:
8h45
